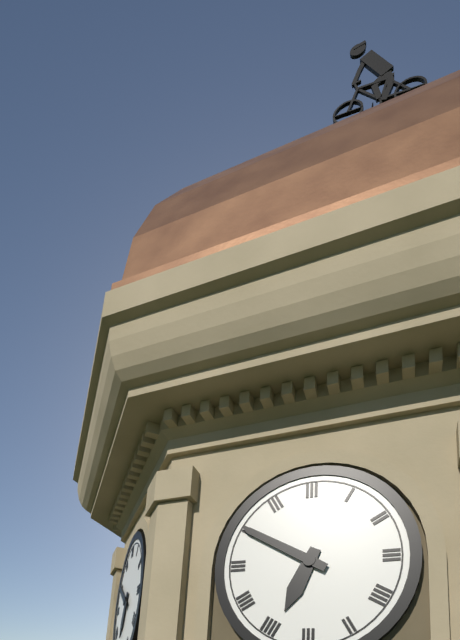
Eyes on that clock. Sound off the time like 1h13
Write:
6h50
